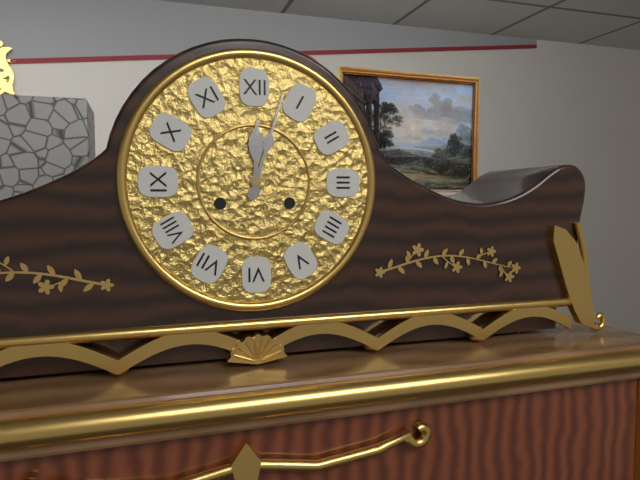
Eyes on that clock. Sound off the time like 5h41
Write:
12h03
